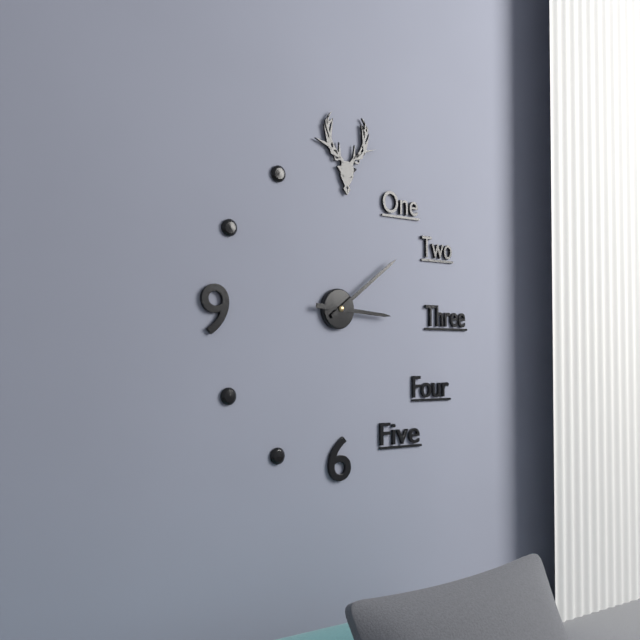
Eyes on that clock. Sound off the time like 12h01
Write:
3h09
